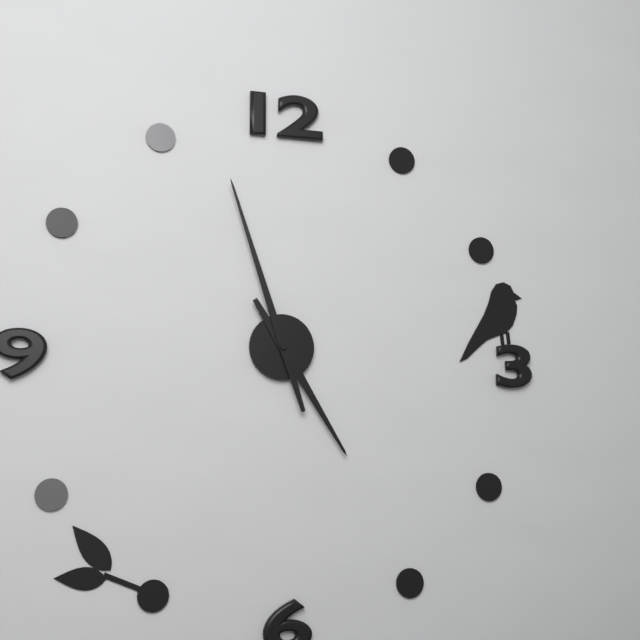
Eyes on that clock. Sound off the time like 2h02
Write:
4h57
